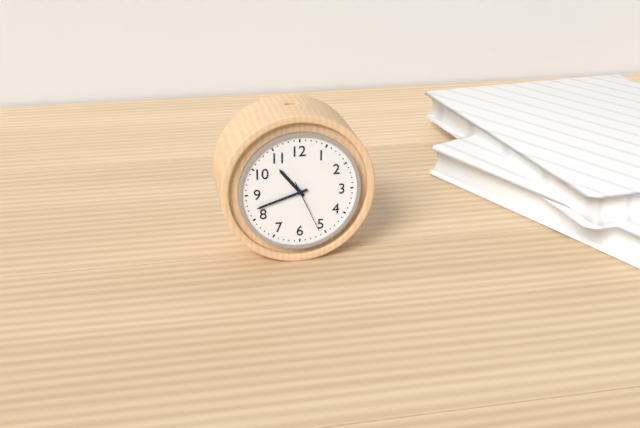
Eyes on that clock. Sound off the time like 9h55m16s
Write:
10h42m26s
